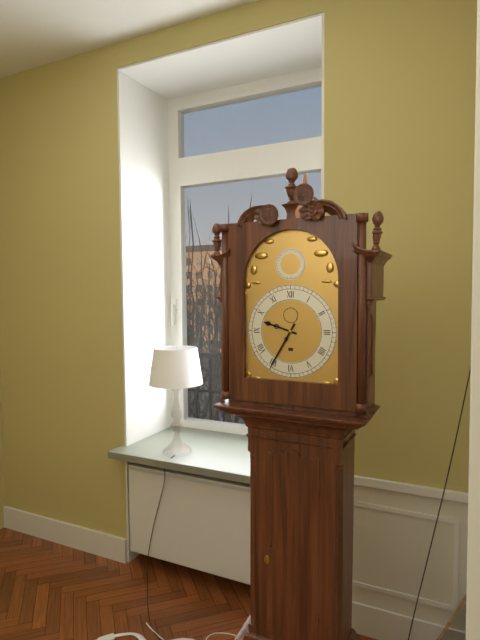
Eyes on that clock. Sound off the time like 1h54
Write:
9h35
